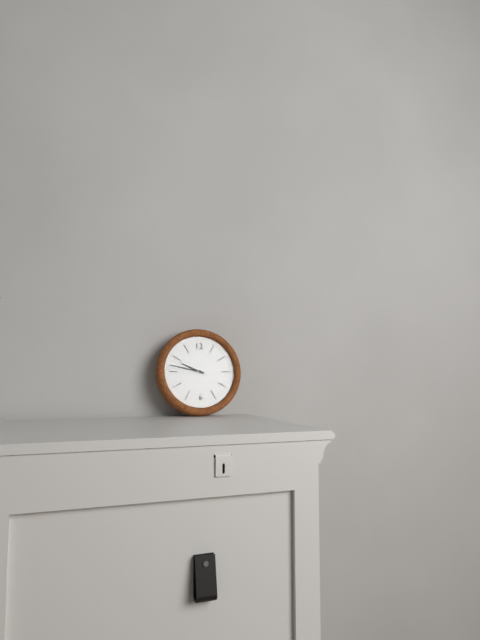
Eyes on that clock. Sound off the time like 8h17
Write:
9h47
